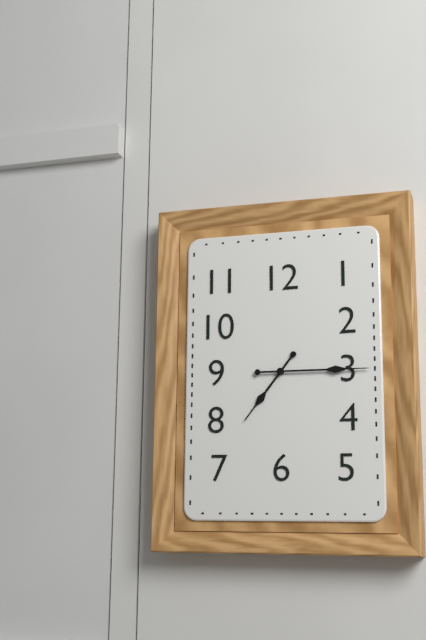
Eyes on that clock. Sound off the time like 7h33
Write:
7h15
